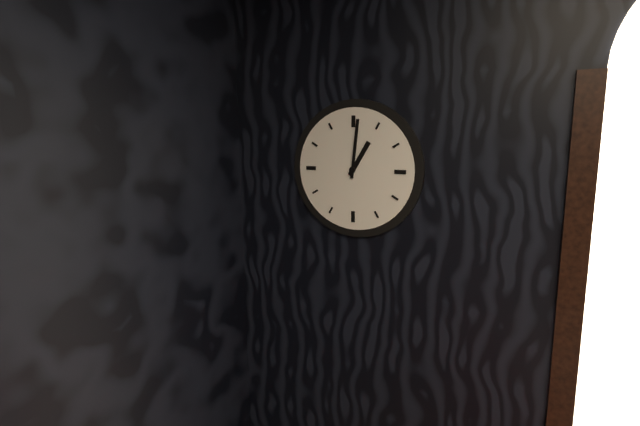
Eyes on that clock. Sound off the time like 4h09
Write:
1h01
